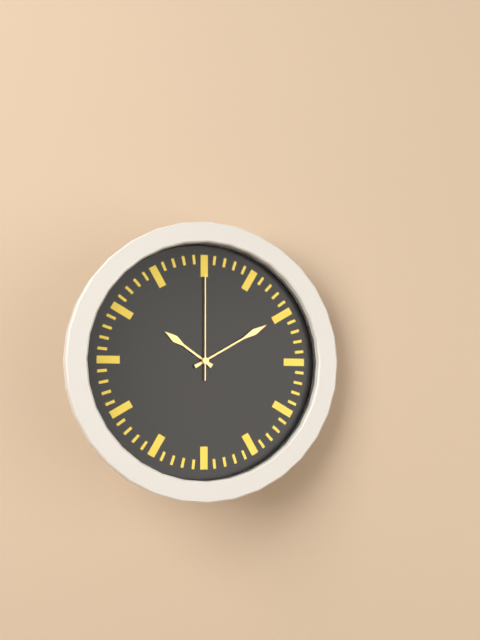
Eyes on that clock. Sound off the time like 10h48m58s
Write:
10h10m00s
